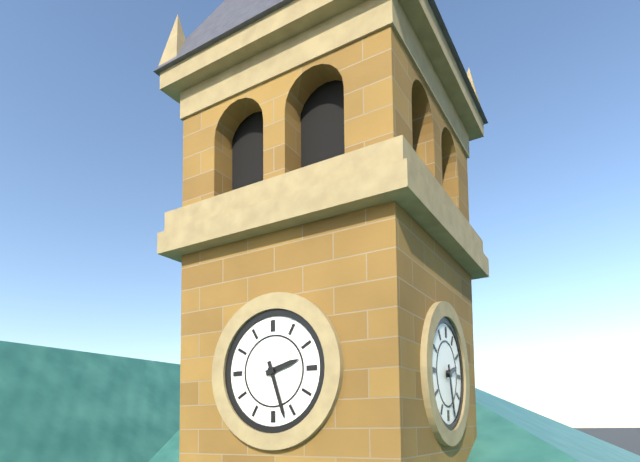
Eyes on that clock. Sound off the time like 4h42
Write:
2h27
